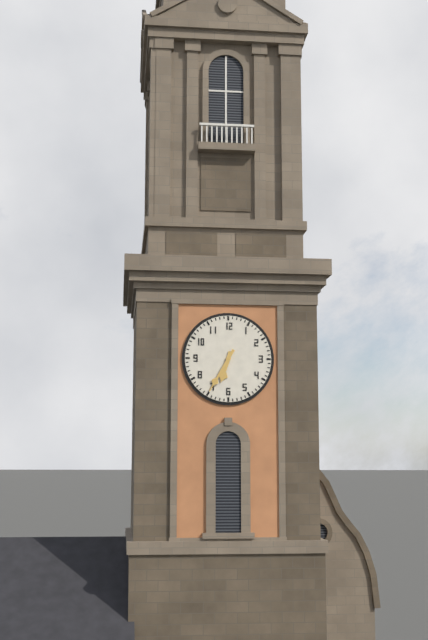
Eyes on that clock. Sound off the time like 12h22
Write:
6h35
